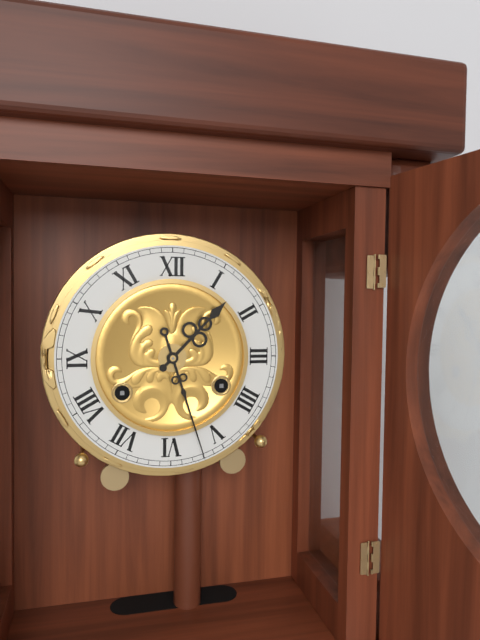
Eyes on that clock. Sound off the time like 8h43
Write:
1h27
